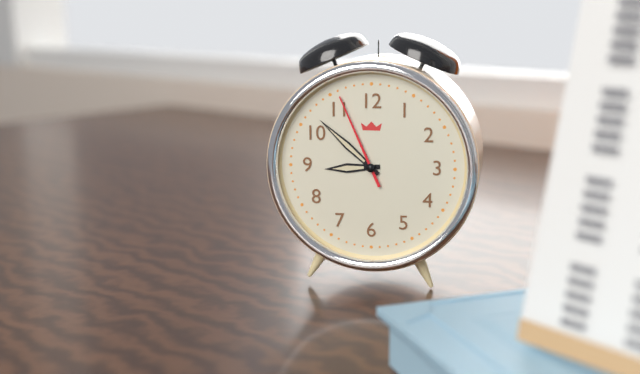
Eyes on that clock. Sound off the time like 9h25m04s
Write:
8h52m56s
